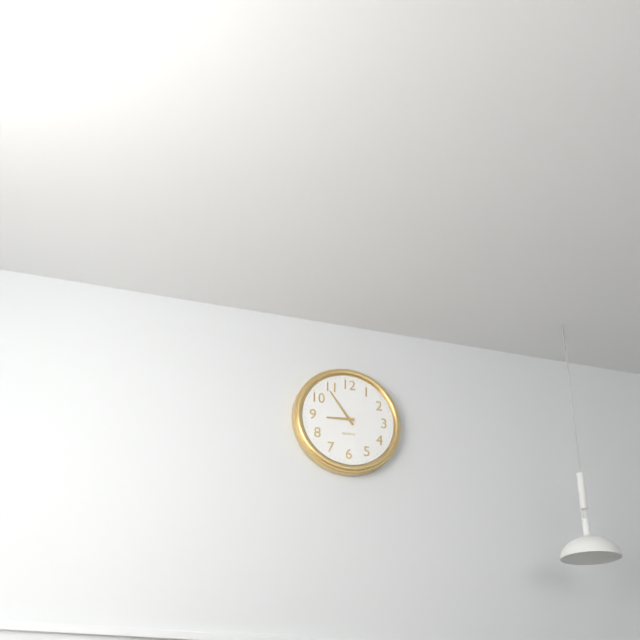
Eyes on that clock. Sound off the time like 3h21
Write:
8h54
